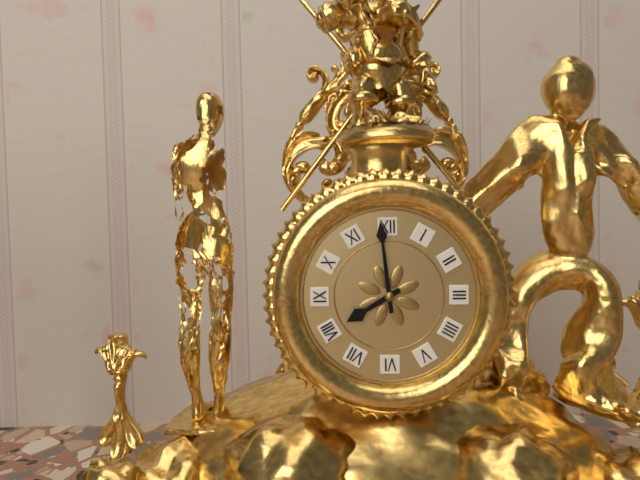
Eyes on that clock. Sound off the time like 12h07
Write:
7h59
